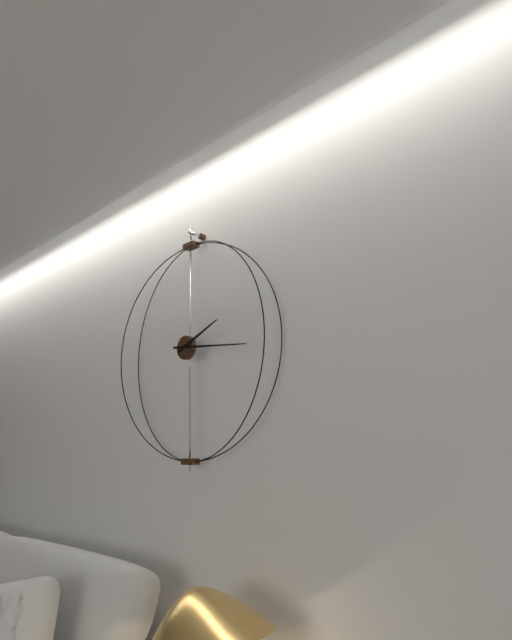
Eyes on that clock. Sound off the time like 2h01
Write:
2h16
